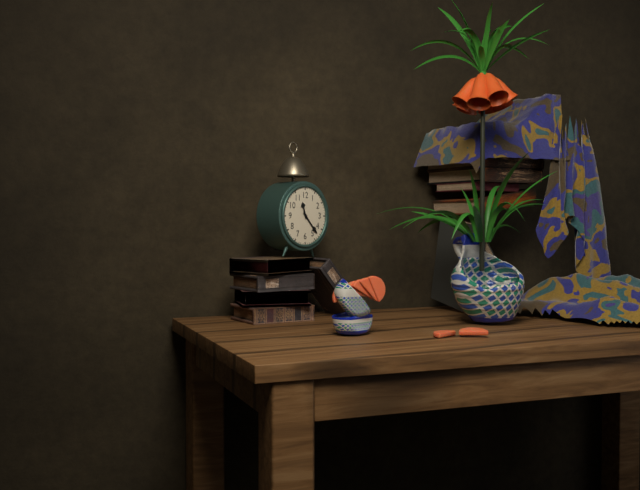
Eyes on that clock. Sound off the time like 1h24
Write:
11h23
